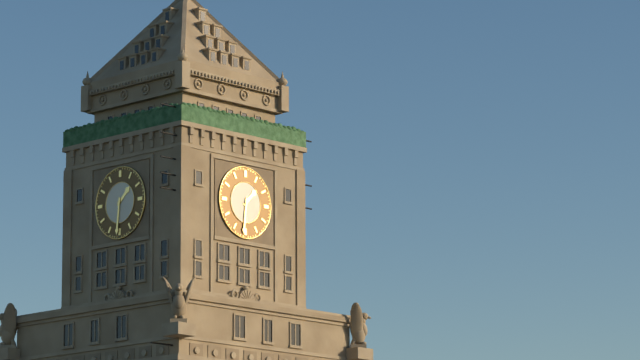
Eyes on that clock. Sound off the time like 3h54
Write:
1h31
